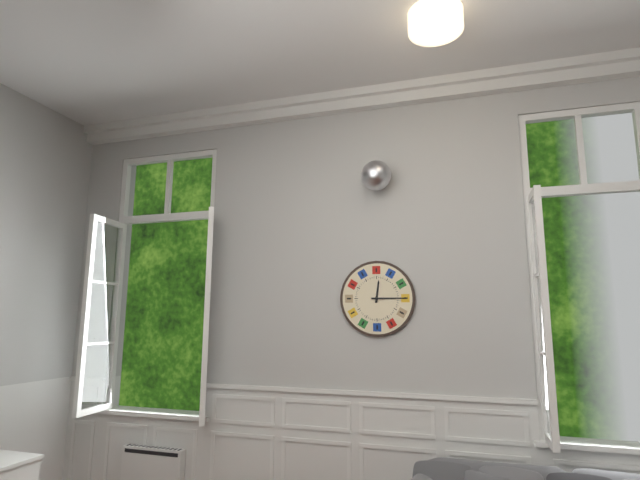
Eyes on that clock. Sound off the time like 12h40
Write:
12h15
